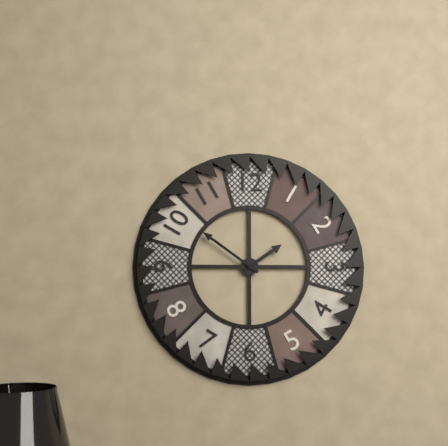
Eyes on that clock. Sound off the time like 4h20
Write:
1h51
